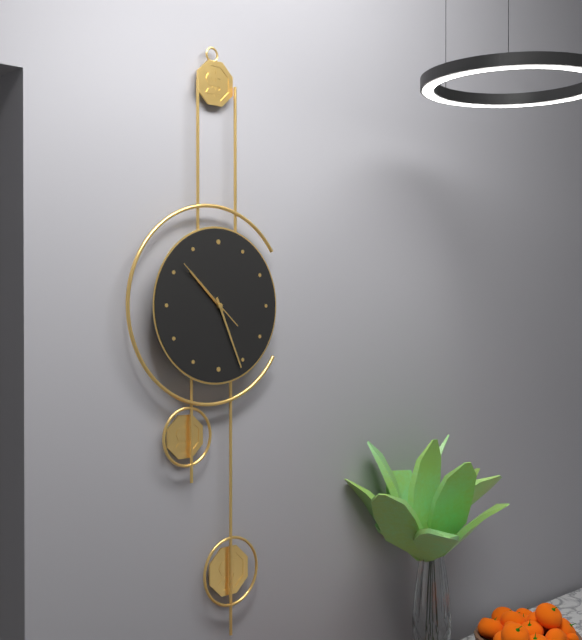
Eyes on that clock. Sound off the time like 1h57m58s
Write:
10h26m52s
